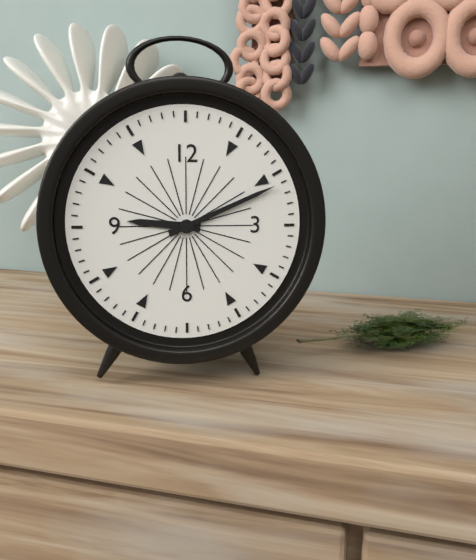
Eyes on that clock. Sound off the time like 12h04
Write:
9h11
